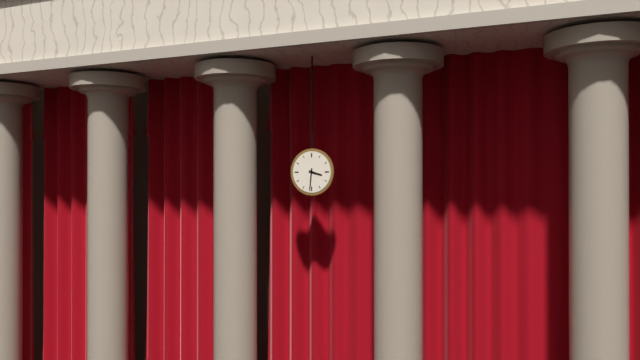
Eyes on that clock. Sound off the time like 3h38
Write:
3h31
